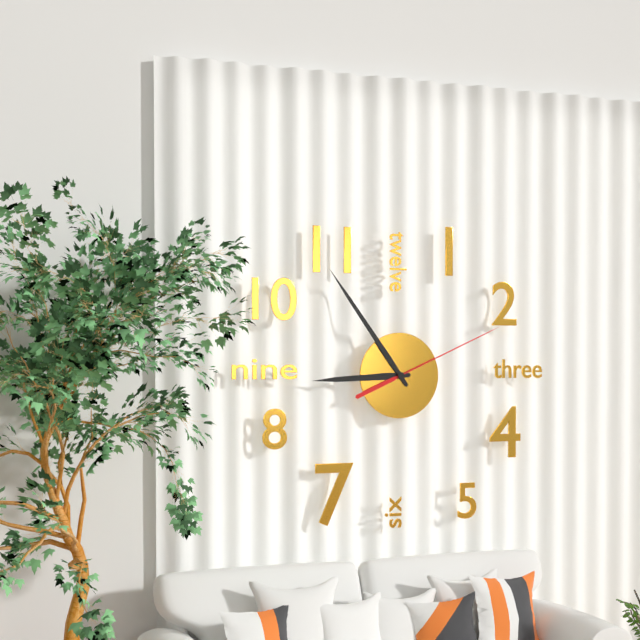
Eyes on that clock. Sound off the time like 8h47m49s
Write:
8h54m11s
